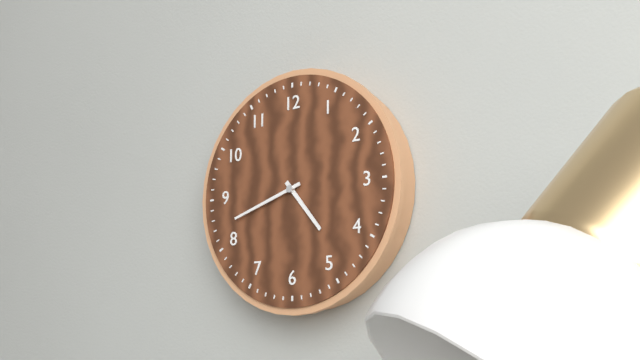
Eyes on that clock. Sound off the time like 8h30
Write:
4h42
